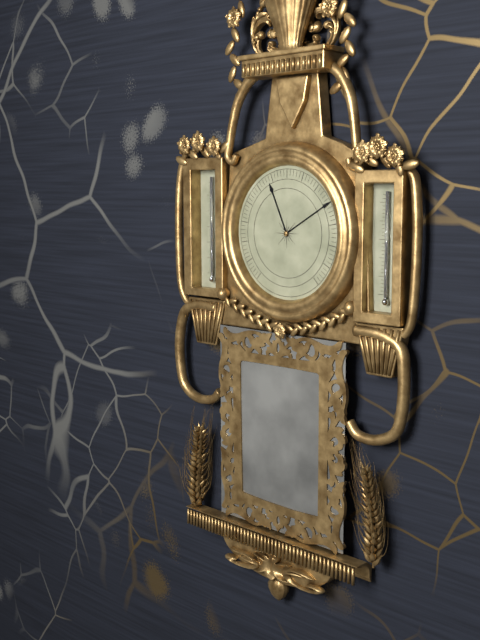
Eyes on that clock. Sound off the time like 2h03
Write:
11h10
